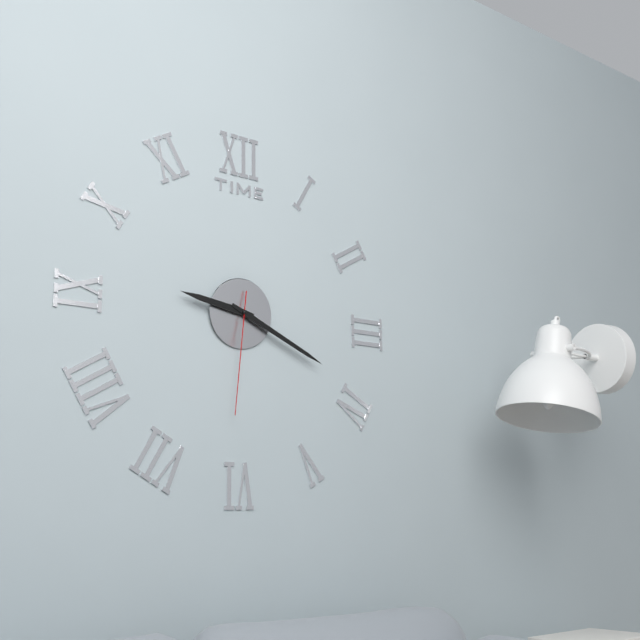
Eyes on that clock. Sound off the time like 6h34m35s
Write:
9h19m31s
